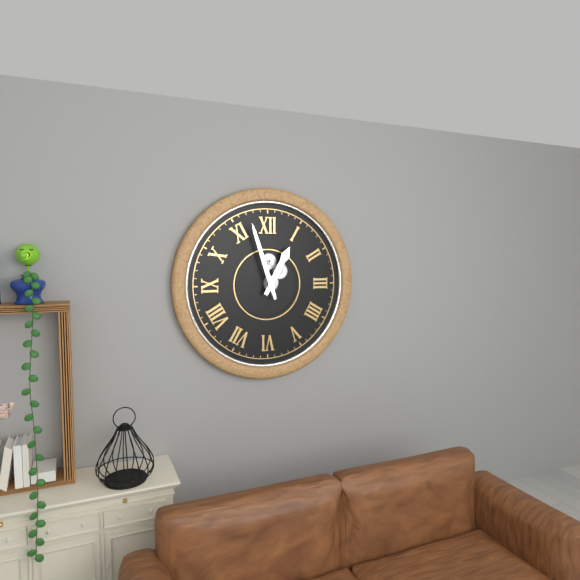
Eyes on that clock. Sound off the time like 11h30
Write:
12h57
